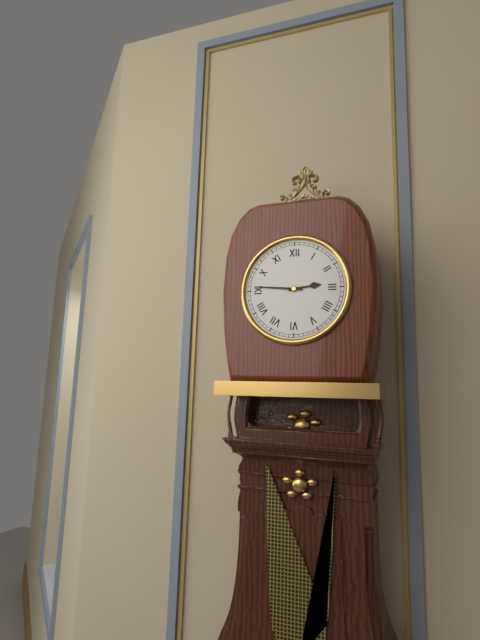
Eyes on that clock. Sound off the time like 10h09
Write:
2h46
